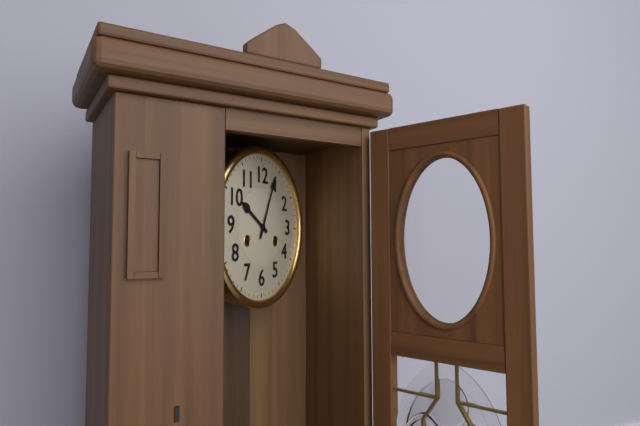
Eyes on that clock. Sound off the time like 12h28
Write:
10h04
